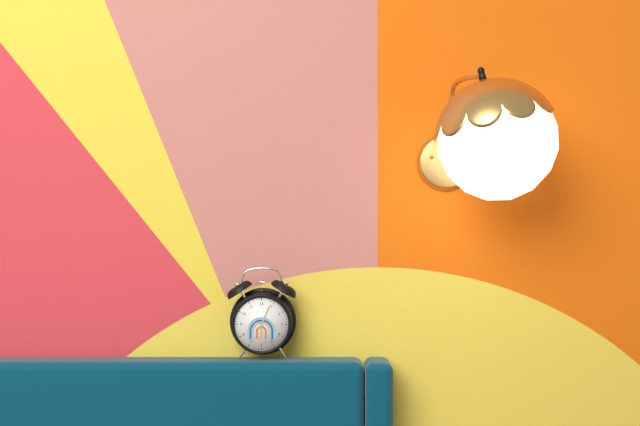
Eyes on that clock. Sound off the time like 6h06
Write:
6h04
